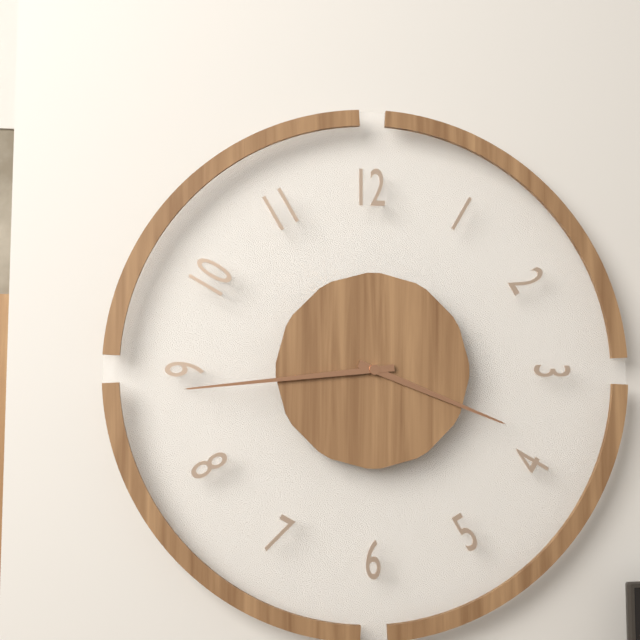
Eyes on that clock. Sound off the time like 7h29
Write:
3h44
